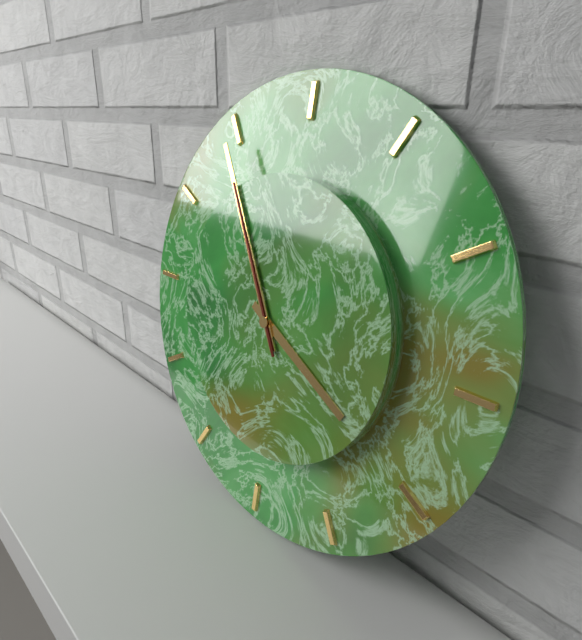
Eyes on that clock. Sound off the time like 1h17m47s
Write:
3h55m55s
